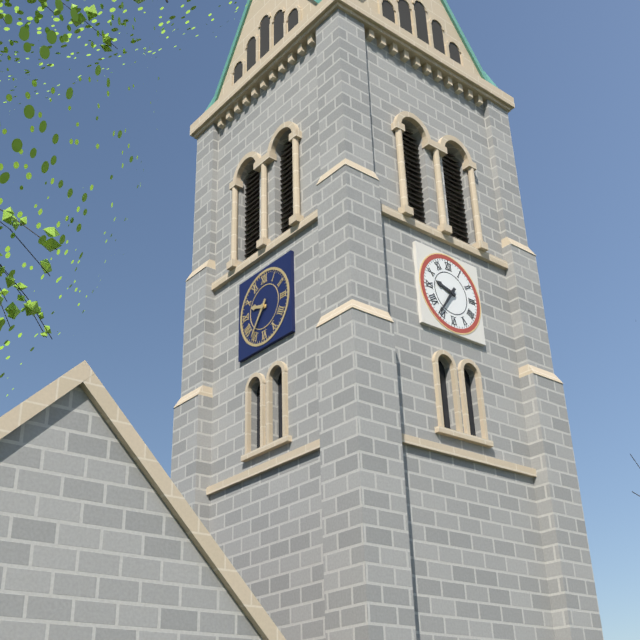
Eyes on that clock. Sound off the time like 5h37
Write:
9h36
